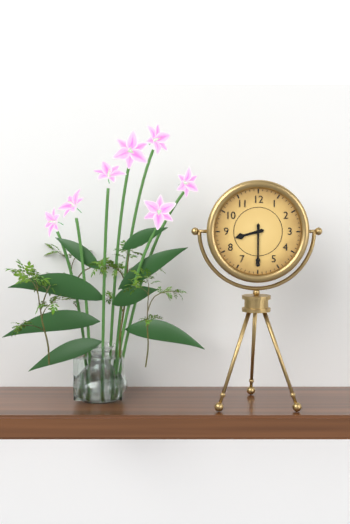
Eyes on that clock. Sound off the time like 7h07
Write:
8h30
